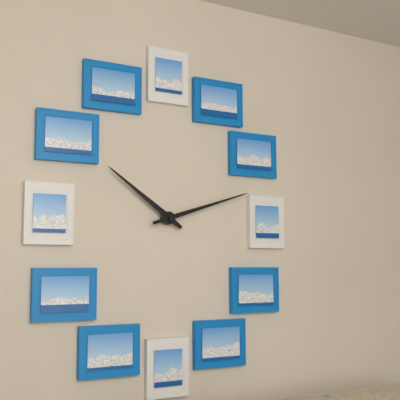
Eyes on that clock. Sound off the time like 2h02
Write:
10h12
